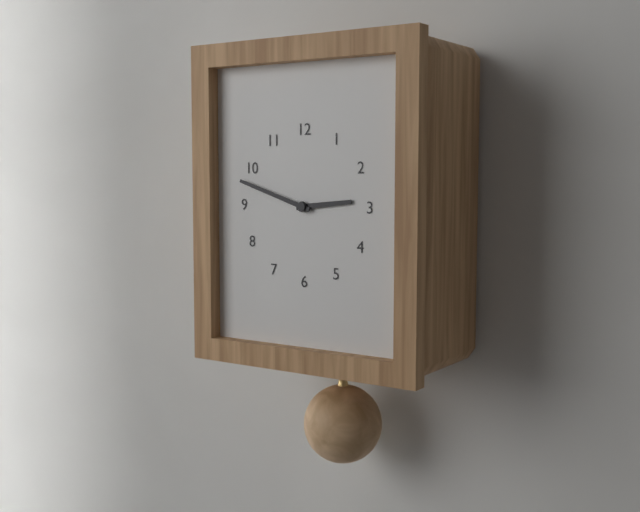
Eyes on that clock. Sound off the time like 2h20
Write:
2h48
